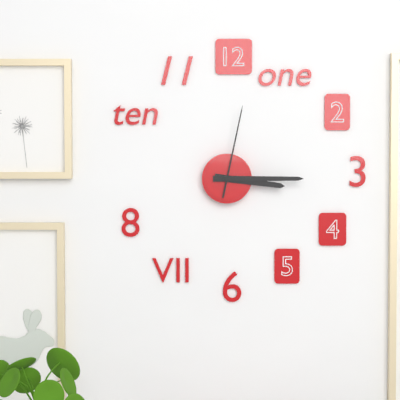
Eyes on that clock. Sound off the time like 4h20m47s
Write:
3h15m02s
